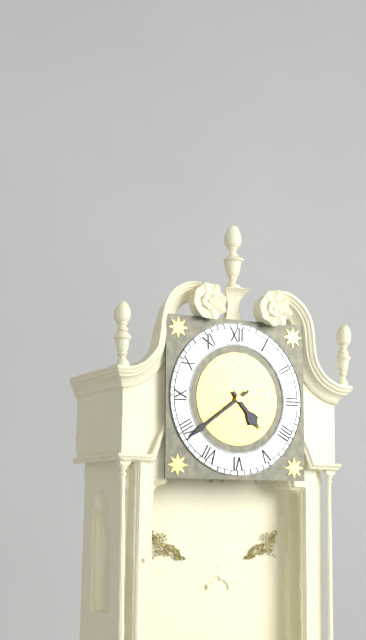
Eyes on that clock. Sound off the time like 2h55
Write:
4h39
